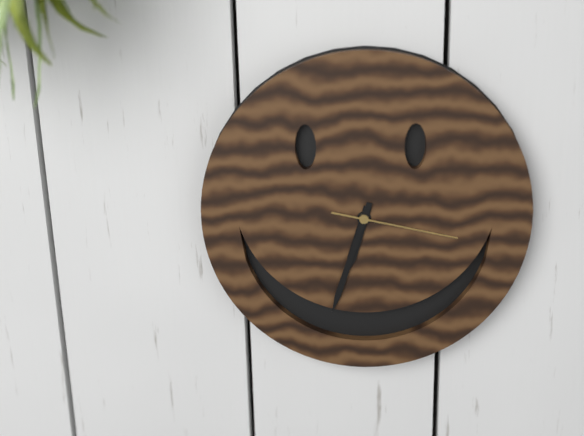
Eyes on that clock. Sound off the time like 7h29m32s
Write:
6h33m17s
